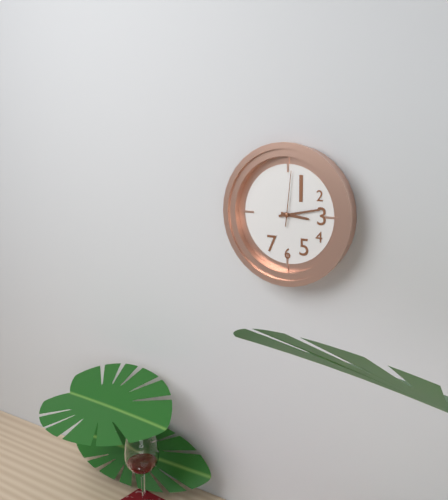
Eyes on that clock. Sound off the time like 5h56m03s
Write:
3h13m01s
